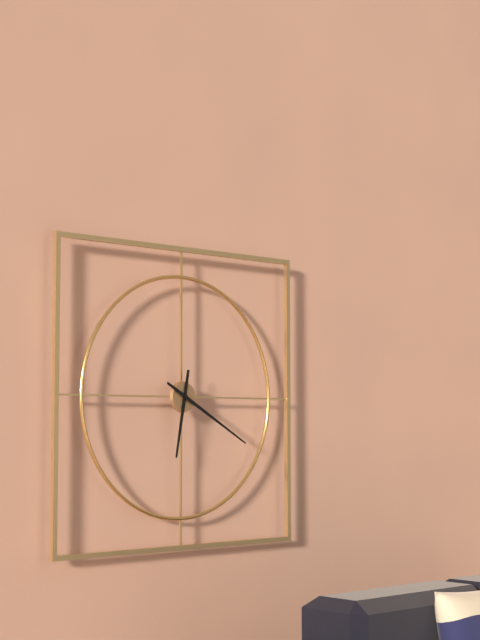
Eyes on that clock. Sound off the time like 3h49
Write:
6h20
